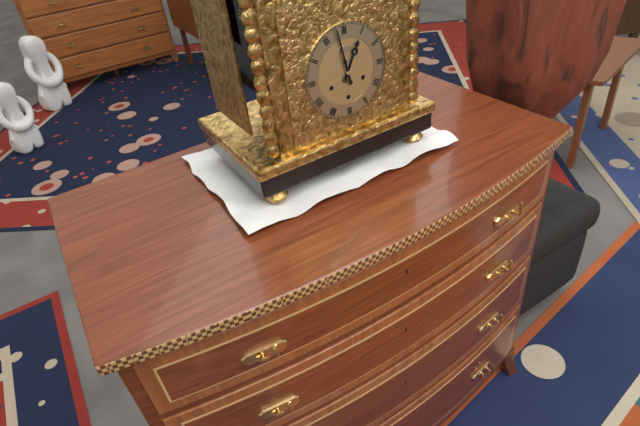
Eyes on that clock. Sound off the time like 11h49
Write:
12h58
